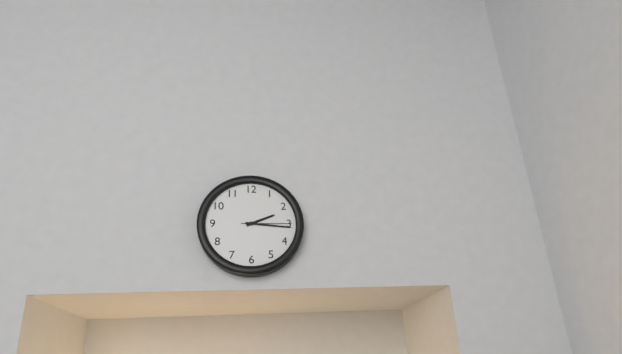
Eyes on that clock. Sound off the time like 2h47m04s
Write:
2h16m15s
